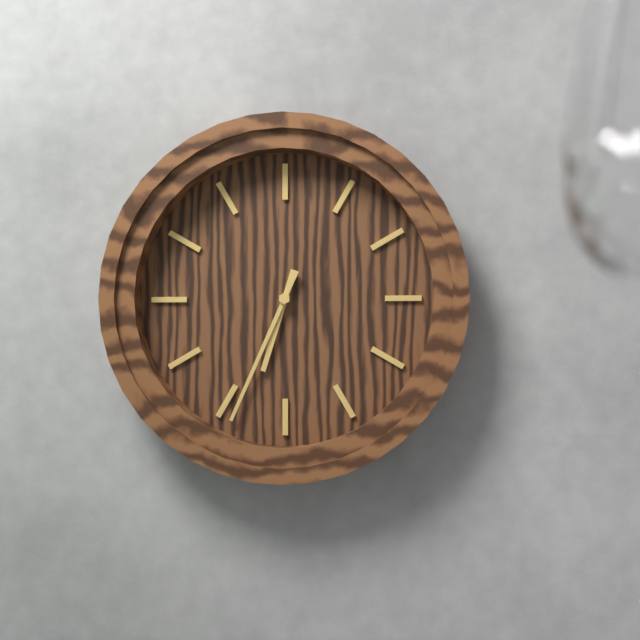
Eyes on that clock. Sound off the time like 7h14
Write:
6h34
